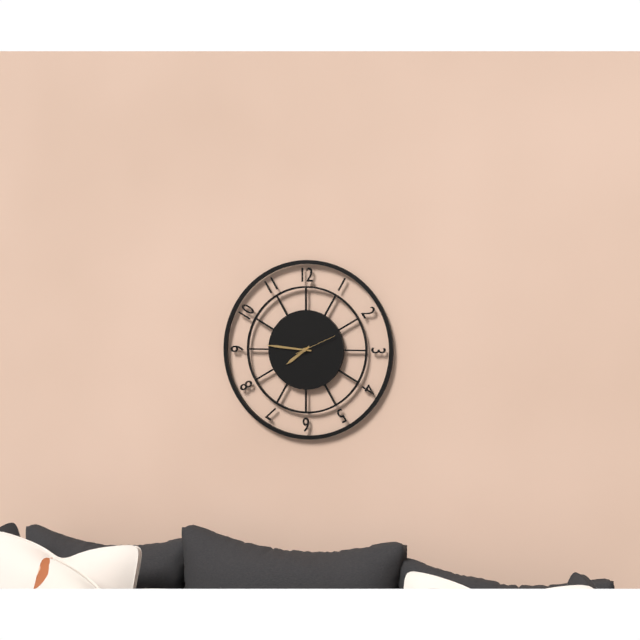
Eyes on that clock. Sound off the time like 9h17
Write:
7h46
